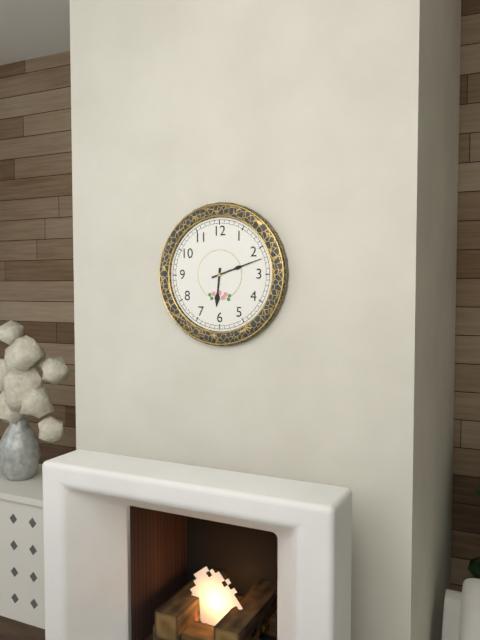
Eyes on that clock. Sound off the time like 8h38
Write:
6h12
